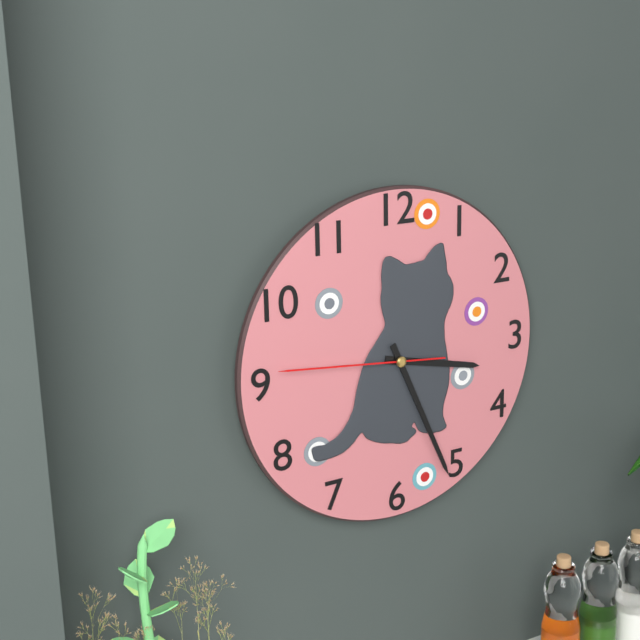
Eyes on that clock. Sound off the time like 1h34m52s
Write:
3h26m46s
